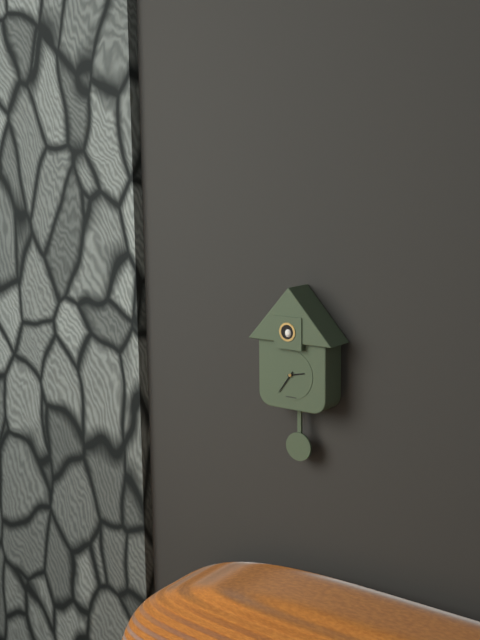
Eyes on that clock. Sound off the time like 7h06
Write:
2h36
